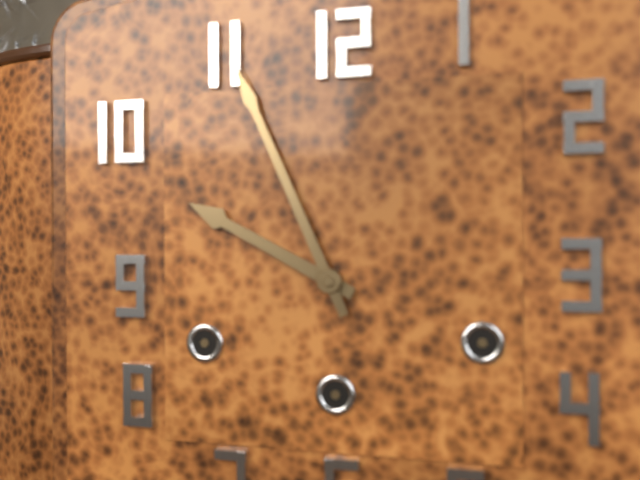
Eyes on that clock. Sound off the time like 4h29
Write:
9h56
